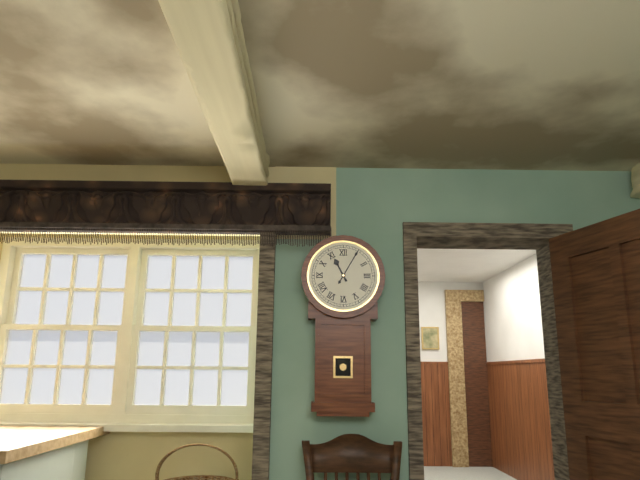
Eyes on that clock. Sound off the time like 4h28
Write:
11h05
